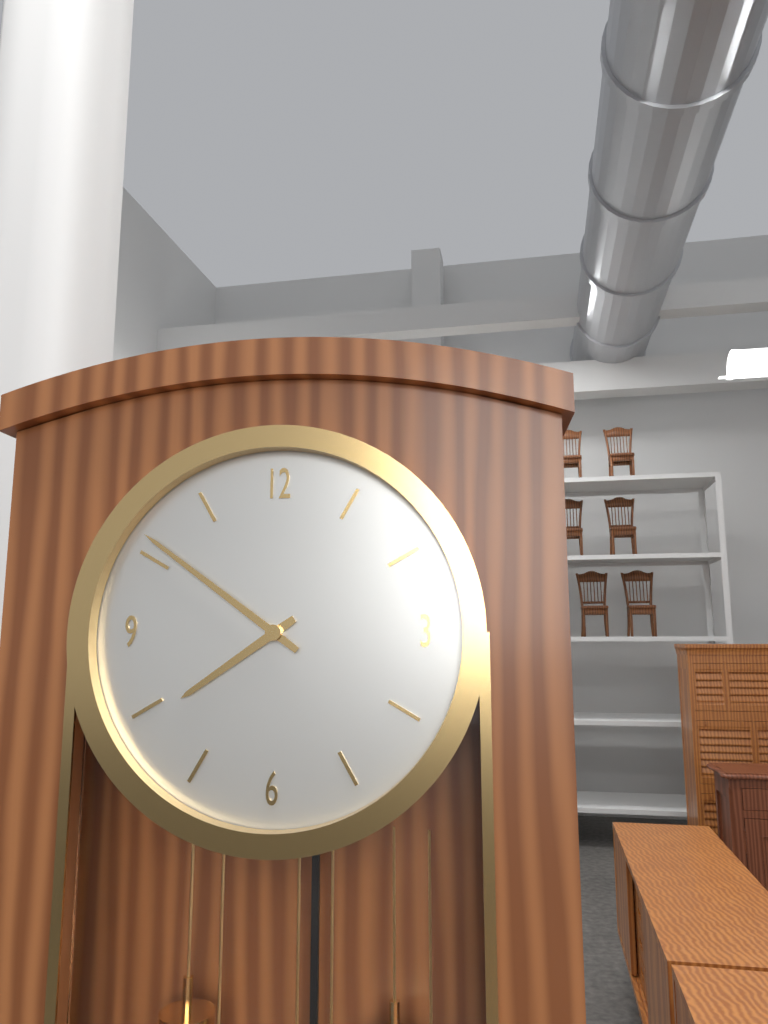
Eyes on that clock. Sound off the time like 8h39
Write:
7h51
